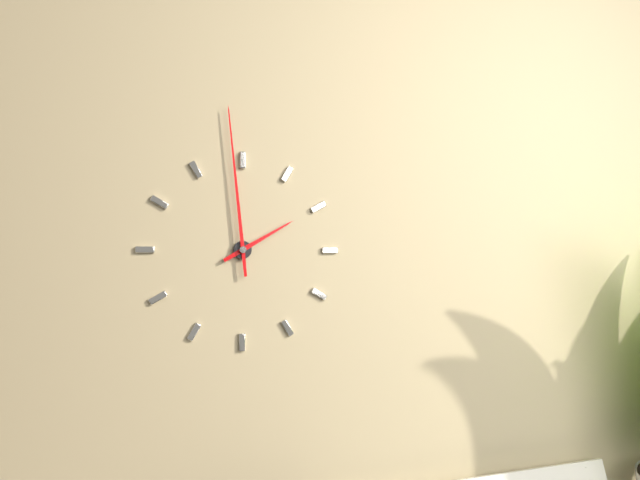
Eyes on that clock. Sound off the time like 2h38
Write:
1h59
